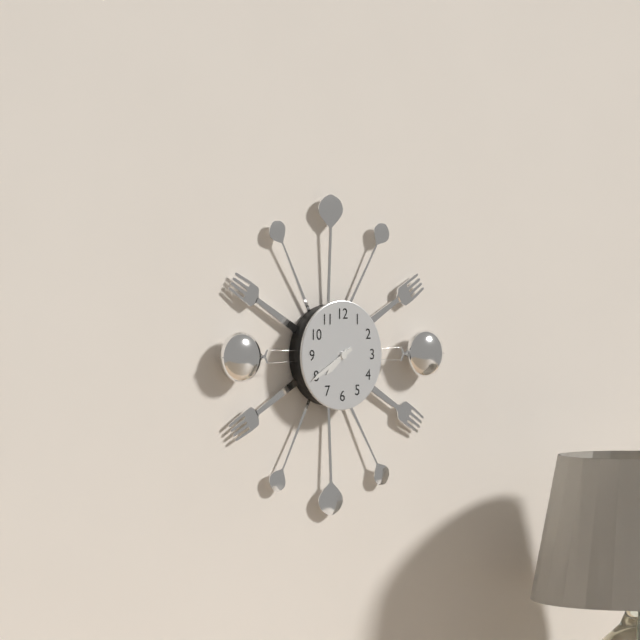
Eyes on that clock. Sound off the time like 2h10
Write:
7h40
